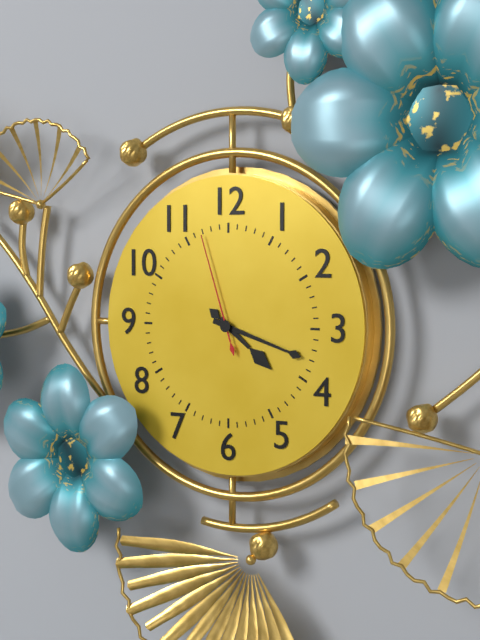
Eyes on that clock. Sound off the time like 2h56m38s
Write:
4h18m57s
